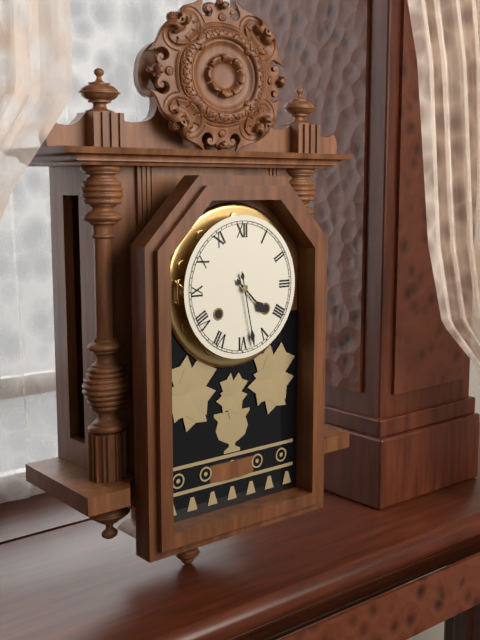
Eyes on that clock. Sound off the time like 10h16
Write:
4h28
